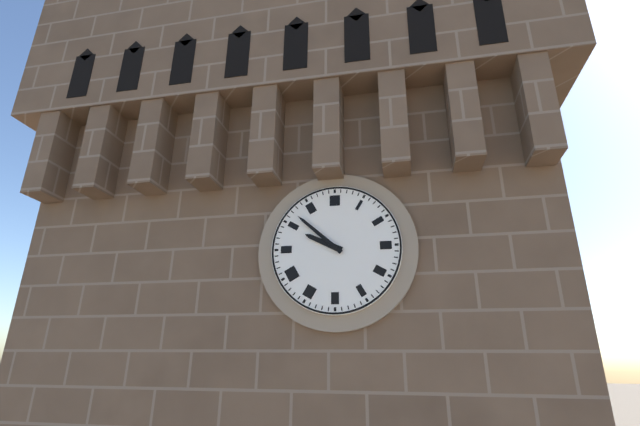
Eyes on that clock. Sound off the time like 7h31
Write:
9h52
